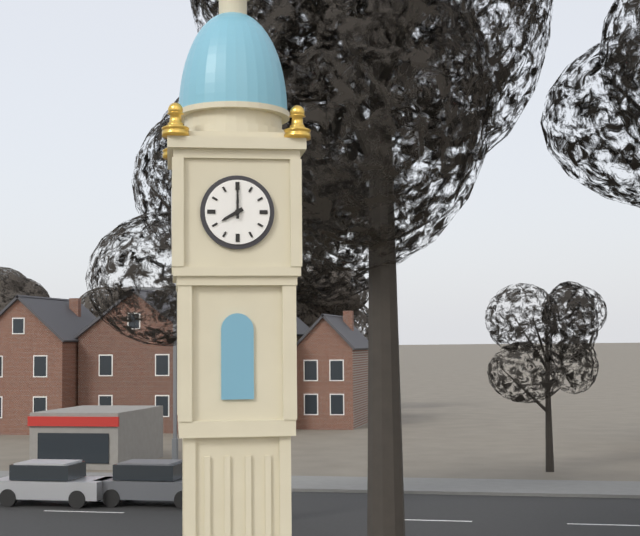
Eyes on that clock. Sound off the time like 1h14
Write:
8h00
